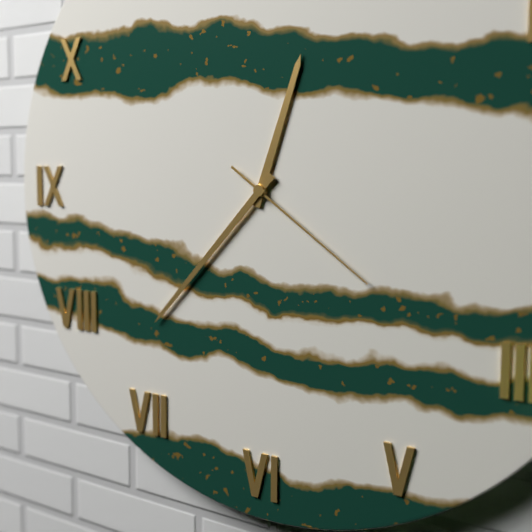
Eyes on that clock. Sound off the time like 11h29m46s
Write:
12h37m21s
